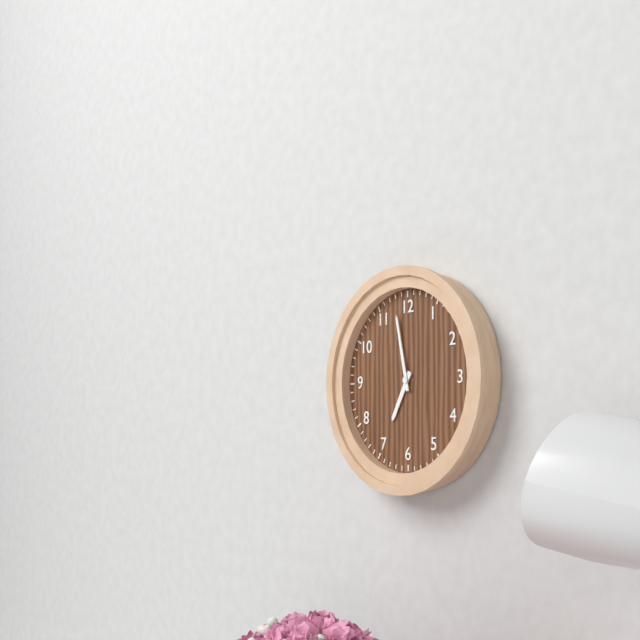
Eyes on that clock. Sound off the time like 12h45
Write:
6h58
